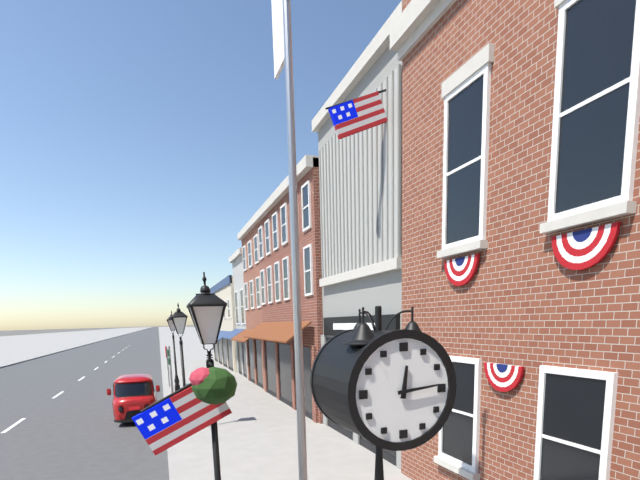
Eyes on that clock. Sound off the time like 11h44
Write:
12h14
